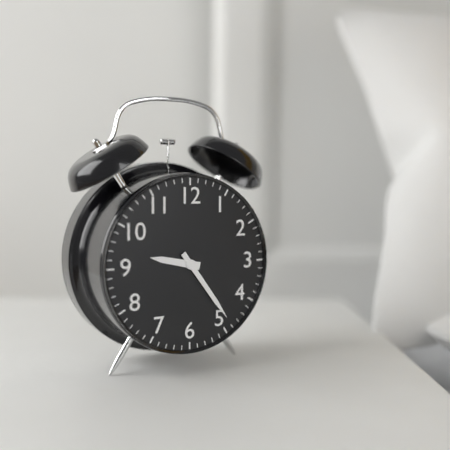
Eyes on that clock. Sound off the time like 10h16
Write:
9h24
